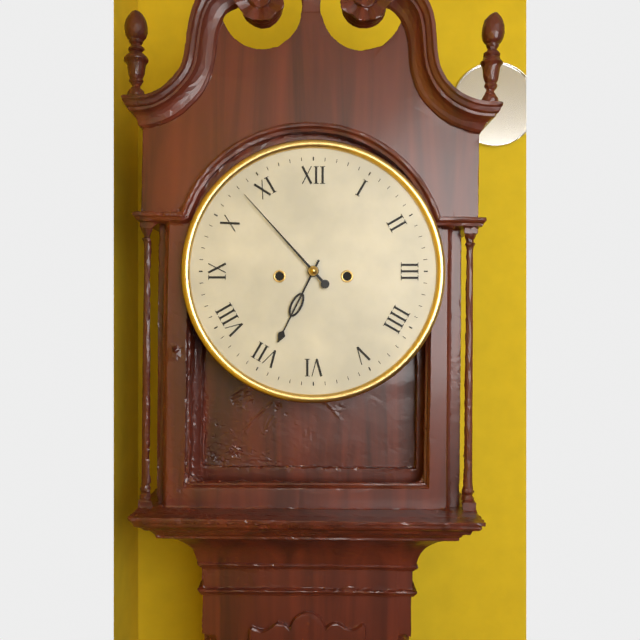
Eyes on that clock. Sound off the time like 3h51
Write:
6h53
